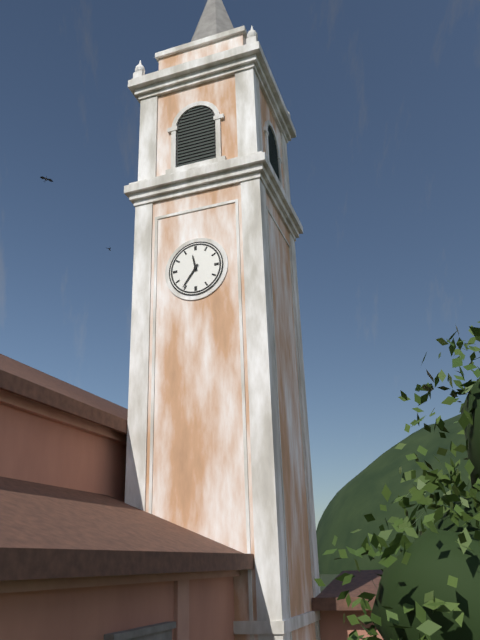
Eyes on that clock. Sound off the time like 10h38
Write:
11h36
